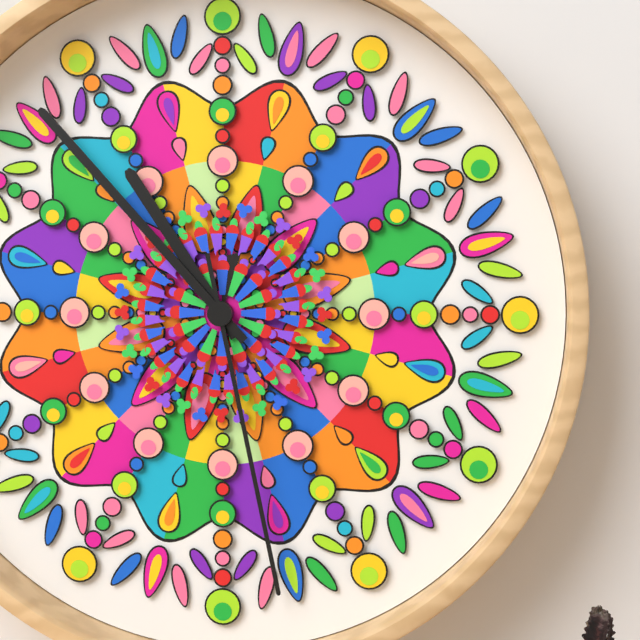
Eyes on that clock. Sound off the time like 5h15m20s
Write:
10h53m28s
